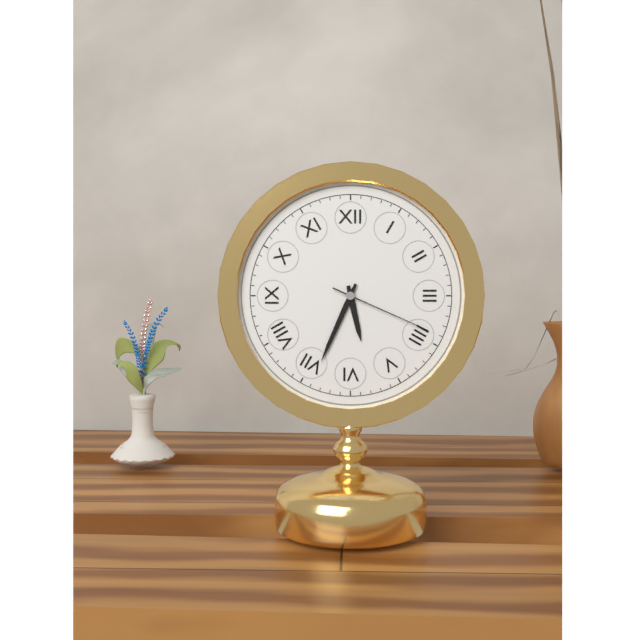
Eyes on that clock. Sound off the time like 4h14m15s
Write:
5h34m19s
